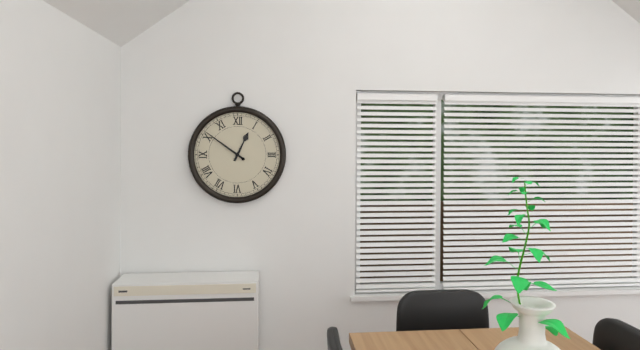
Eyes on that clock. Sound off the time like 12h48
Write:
12h51
